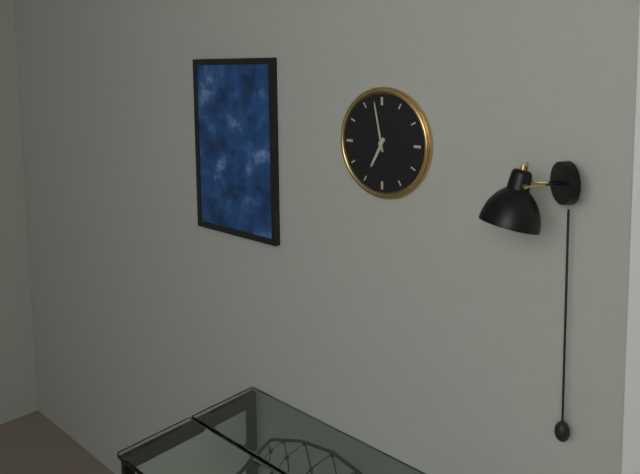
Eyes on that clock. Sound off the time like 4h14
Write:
6h58
